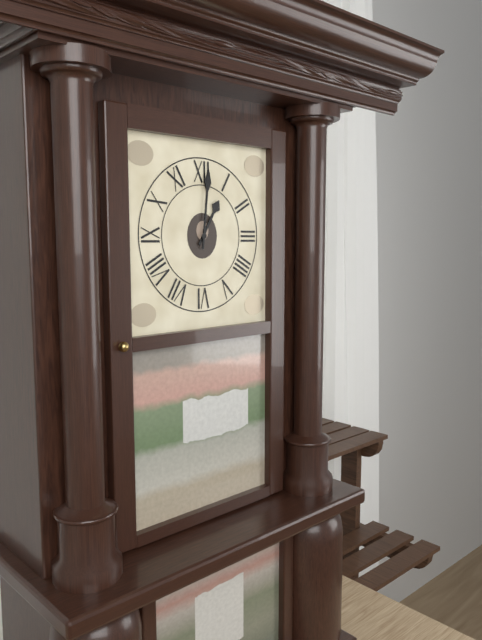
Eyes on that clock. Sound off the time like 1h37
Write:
1h01
